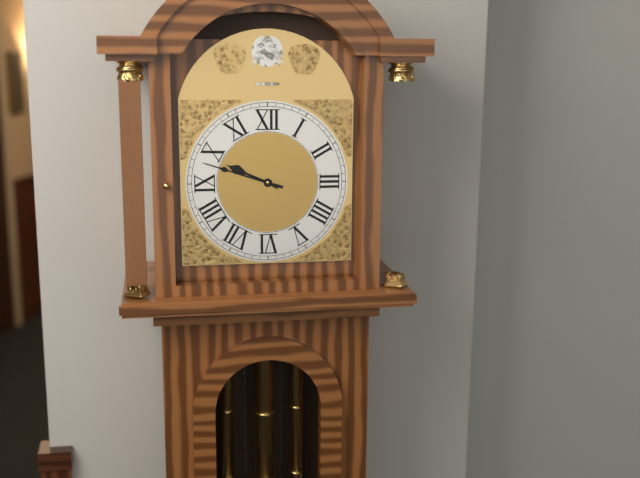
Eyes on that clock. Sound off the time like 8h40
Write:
9h48
